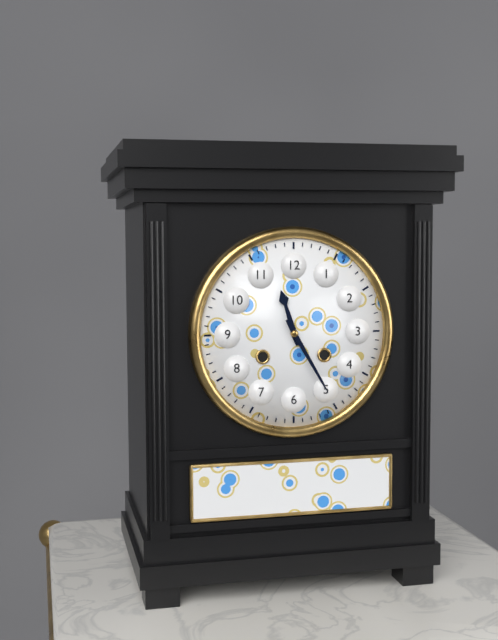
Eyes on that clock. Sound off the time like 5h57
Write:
11h25
